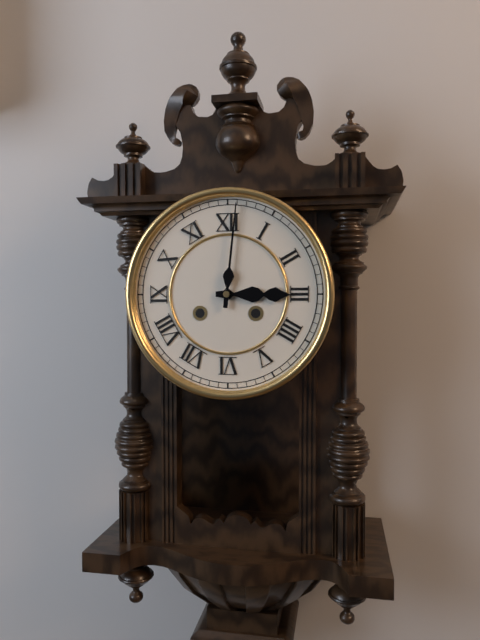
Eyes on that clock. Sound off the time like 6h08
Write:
3h01
